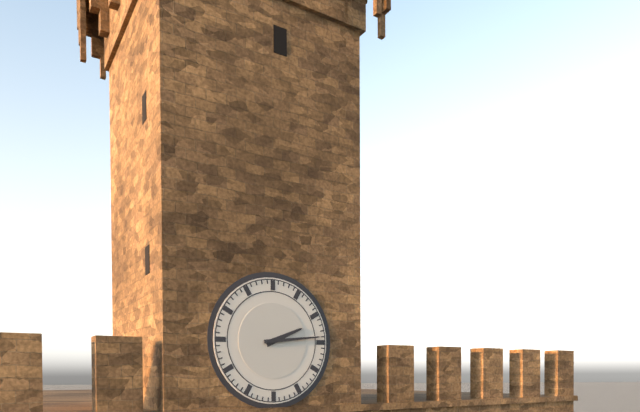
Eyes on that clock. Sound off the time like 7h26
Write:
2h14
